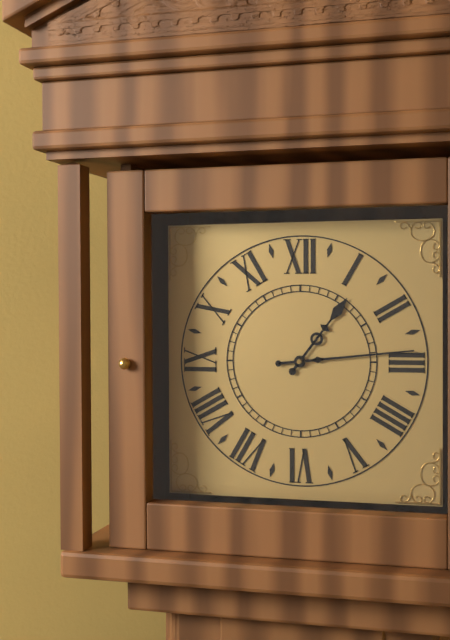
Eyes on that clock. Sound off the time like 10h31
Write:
1h14
